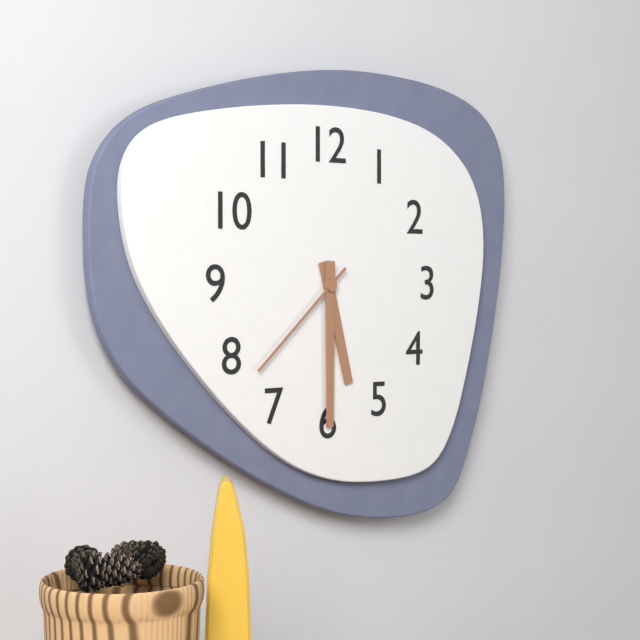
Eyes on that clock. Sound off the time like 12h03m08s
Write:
5h30m38s
